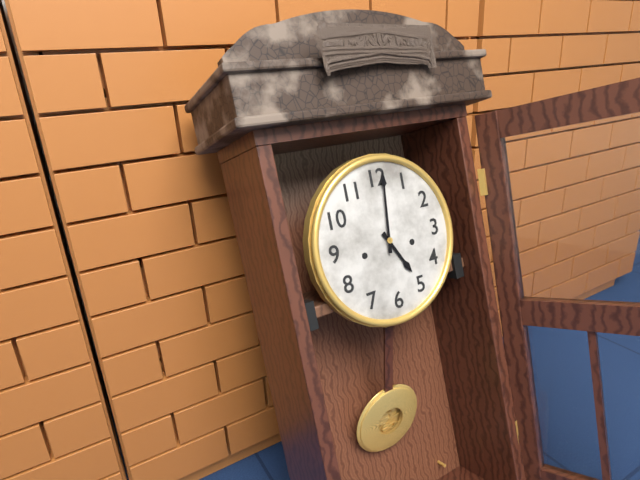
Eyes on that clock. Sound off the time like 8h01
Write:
5h01
